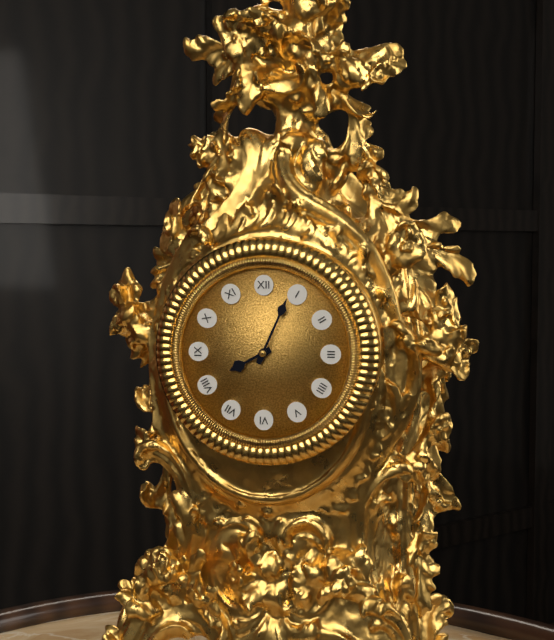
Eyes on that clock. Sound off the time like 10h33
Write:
8h04
